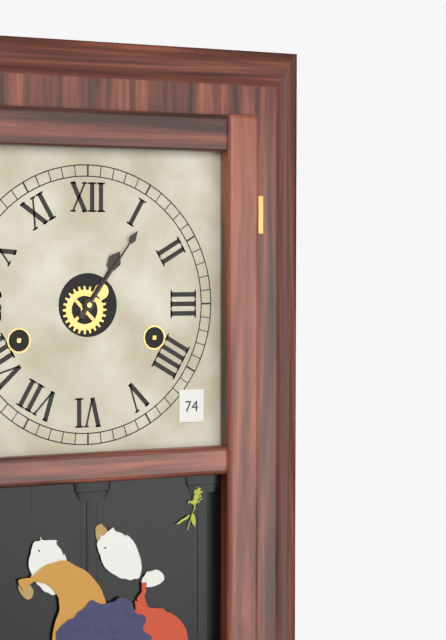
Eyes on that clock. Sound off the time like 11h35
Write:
1h06
